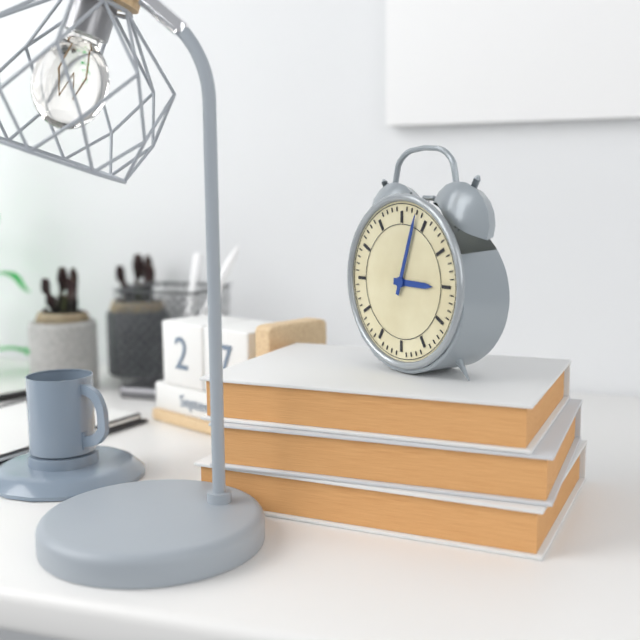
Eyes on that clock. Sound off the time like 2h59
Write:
3h03
